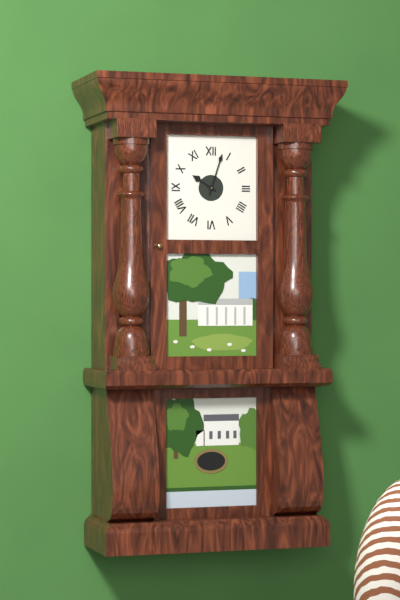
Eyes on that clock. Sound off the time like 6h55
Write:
10h03
